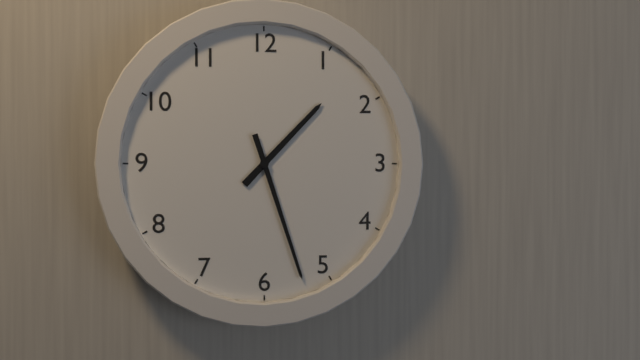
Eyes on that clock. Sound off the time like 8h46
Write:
1h27
